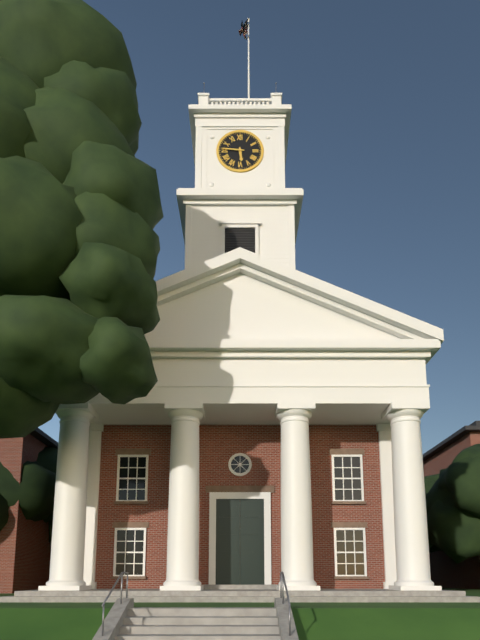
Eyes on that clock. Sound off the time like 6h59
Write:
5h46
